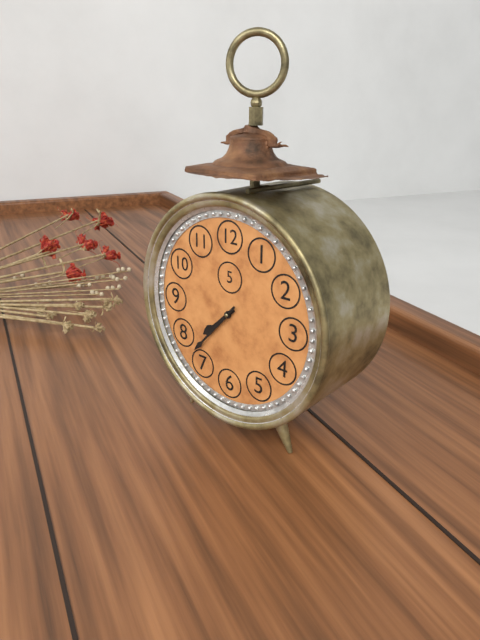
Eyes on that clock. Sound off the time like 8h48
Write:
7h37
